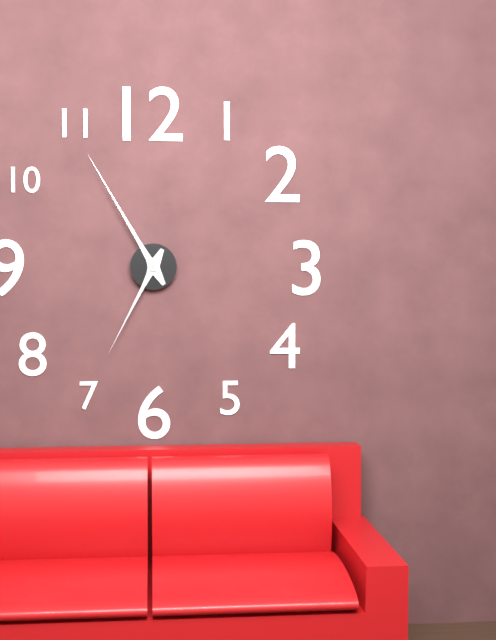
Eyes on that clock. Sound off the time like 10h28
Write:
6h55
